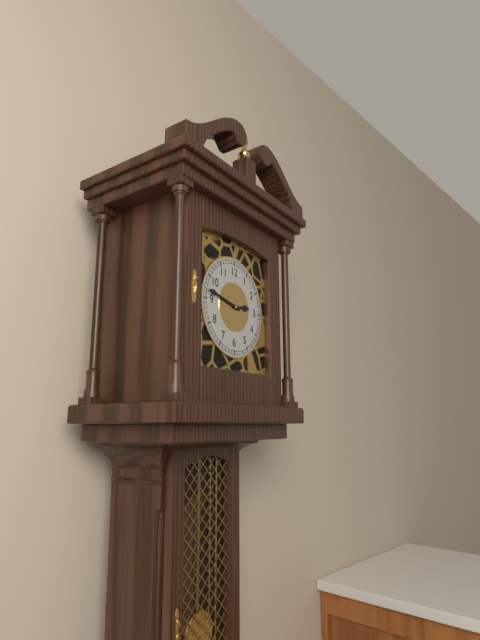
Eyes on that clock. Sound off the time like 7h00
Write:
2h47
